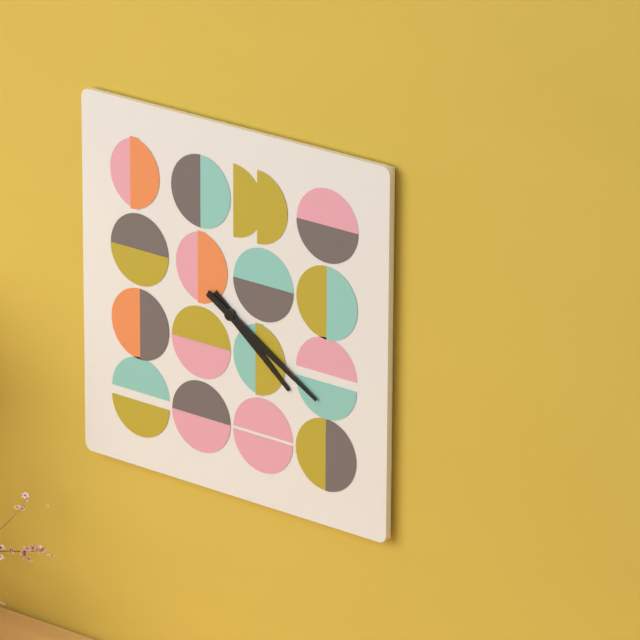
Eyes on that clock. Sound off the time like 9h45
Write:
4h20
